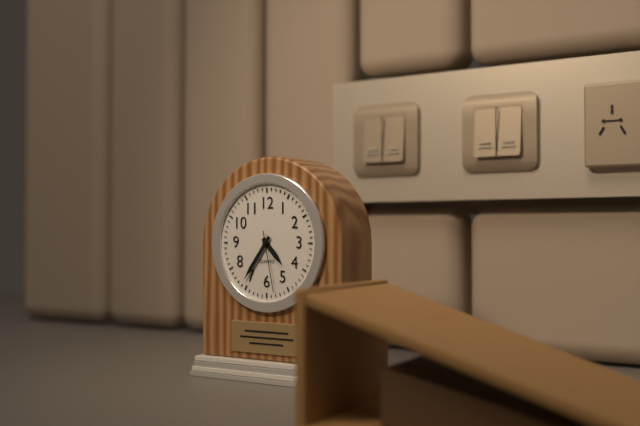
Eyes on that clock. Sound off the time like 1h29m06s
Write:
4h36m28s
